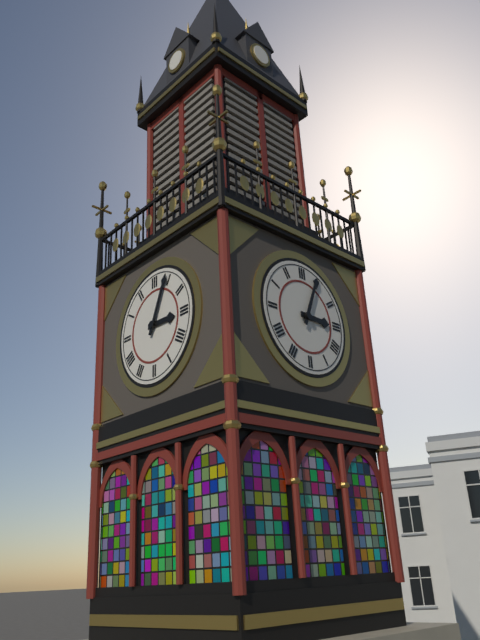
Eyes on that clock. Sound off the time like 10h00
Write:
3h04
